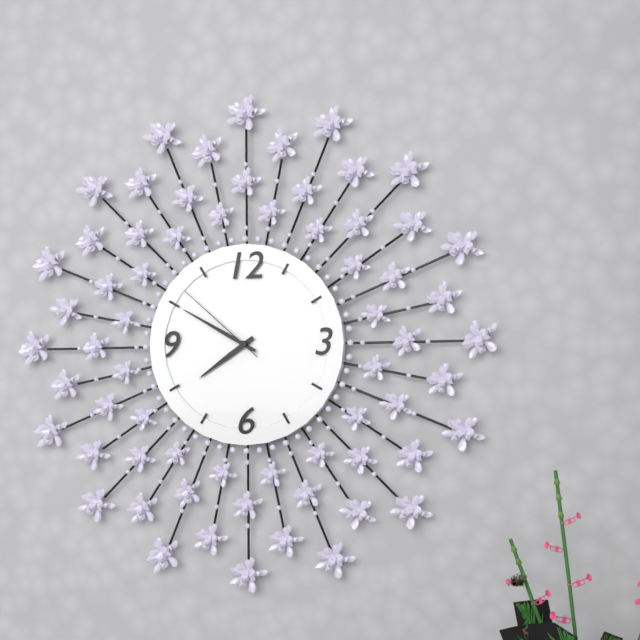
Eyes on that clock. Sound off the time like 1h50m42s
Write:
7h50m52s
